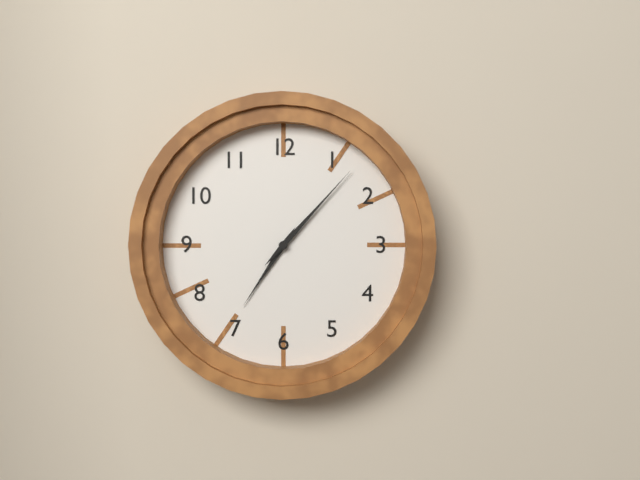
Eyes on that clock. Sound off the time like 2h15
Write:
7h07
